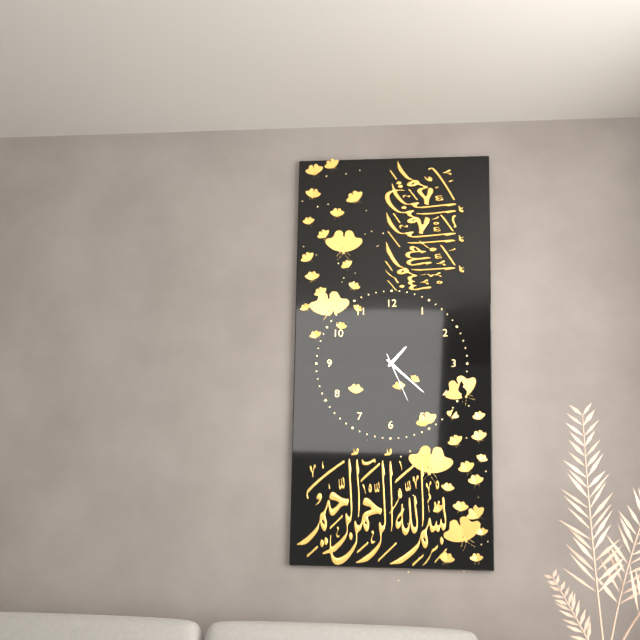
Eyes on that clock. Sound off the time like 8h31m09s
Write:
1h22m26s
